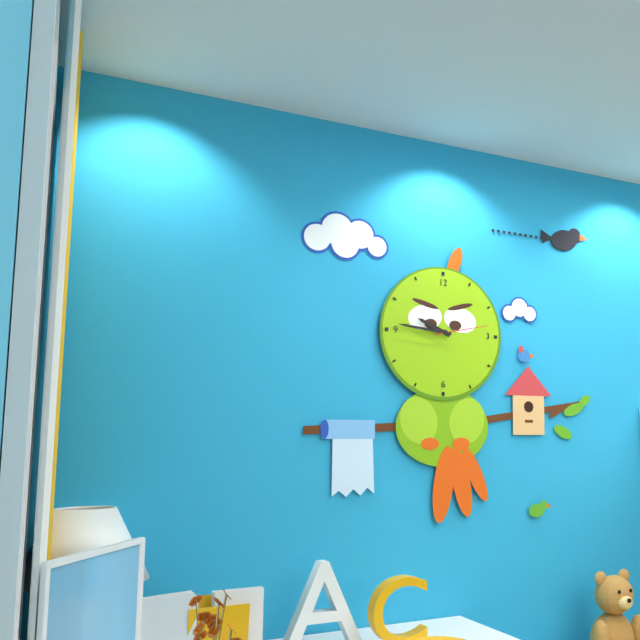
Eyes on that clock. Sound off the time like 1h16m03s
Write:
9h46m13s
